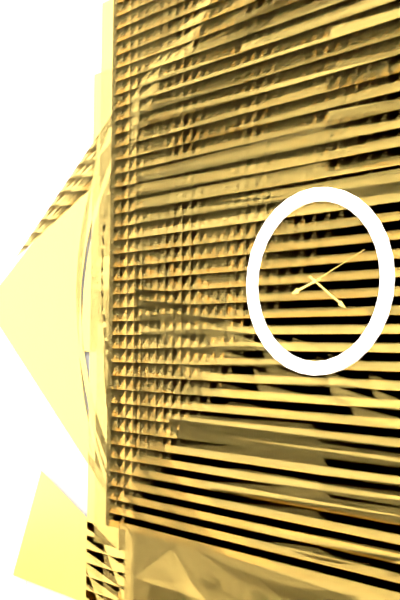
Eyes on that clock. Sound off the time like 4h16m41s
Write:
8h21m11s
